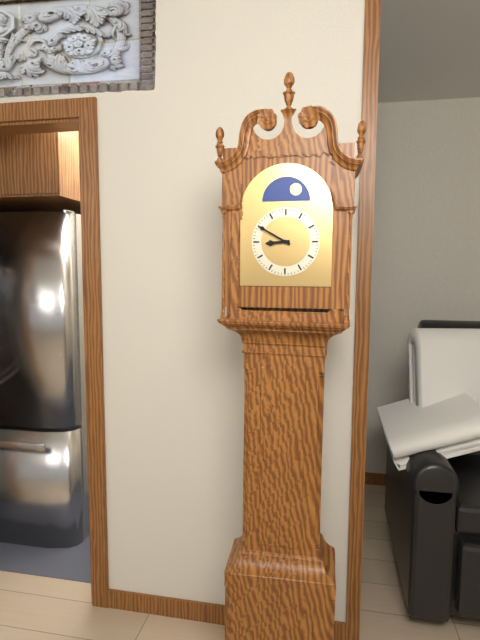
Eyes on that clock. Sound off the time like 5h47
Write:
8h50
